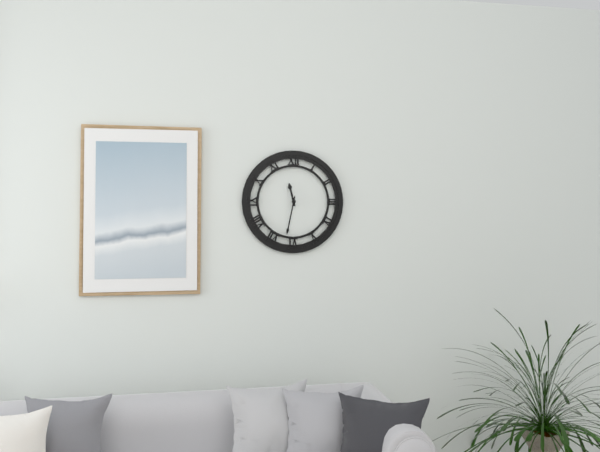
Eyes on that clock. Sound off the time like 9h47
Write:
11h32
